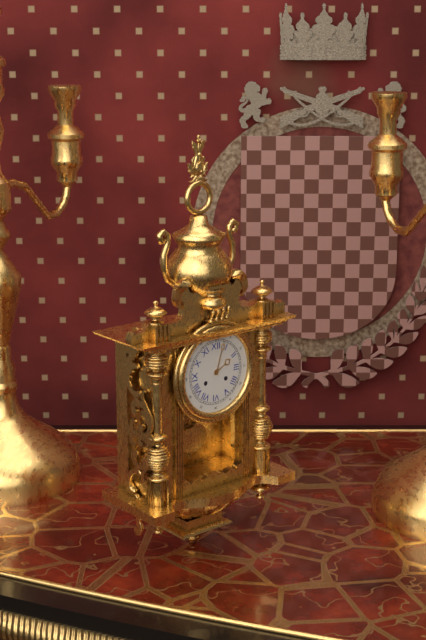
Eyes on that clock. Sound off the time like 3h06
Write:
2h03
